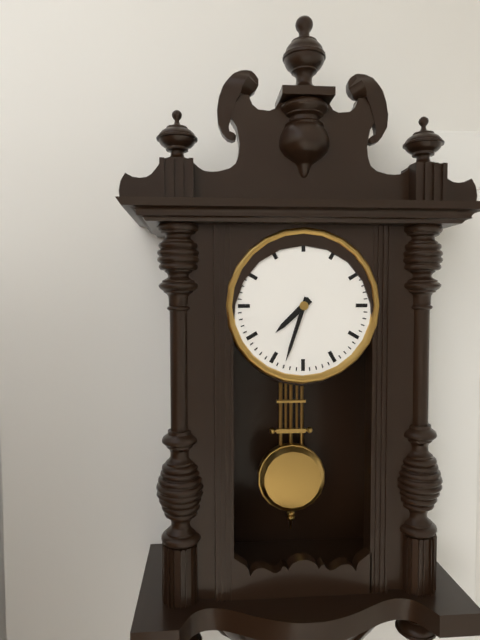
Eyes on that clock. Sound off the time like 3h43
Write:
7h33
